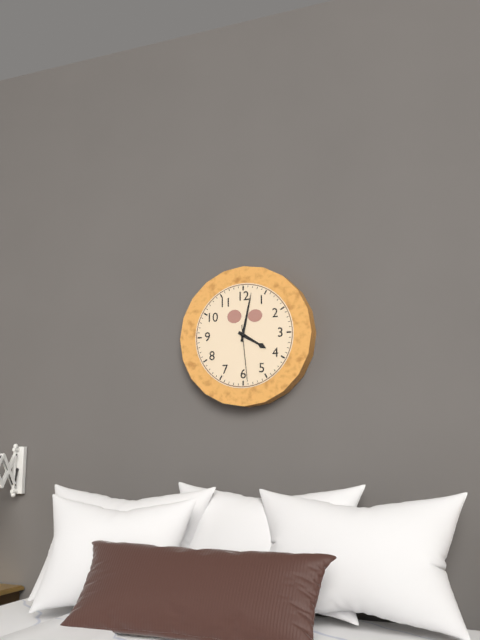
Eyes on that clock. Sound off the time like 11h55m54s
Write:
4h02m29s
